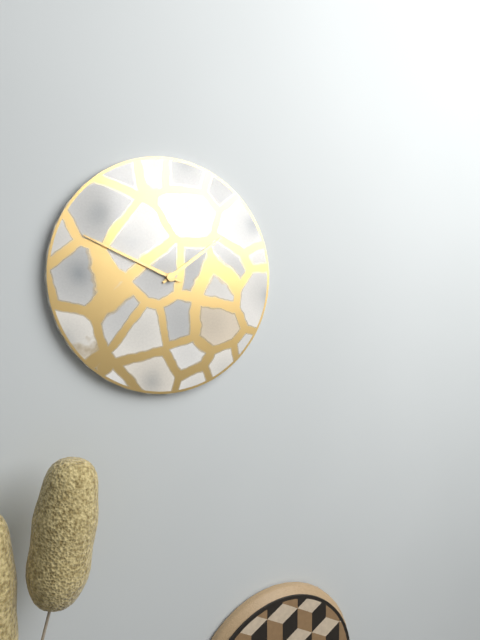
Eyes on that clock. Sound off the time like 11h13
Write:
1h49
